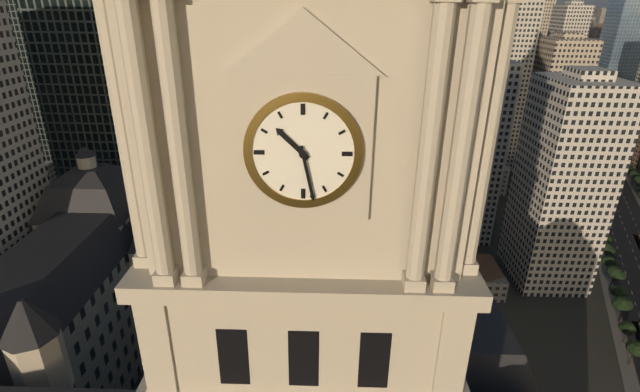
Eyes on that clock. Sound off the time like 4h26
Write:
10h28
